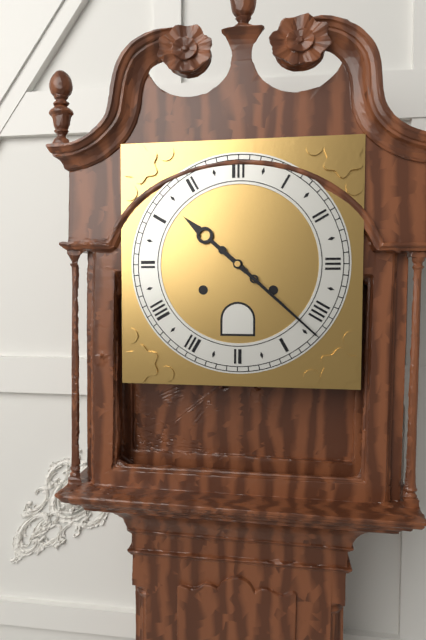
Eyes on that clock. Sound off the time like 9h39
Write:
10h22
